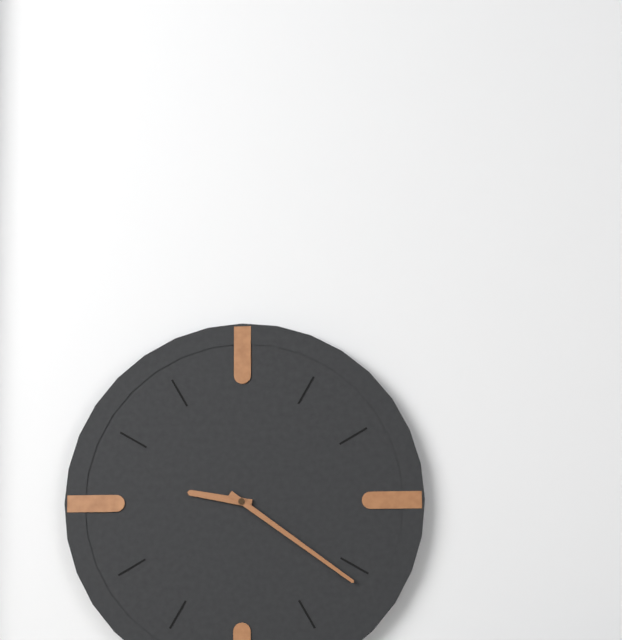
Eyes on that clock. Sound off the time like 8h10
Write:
9h21
